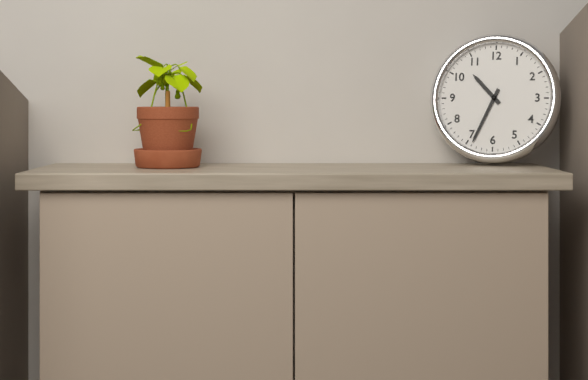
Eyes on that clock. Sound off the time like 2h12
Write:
10h34
